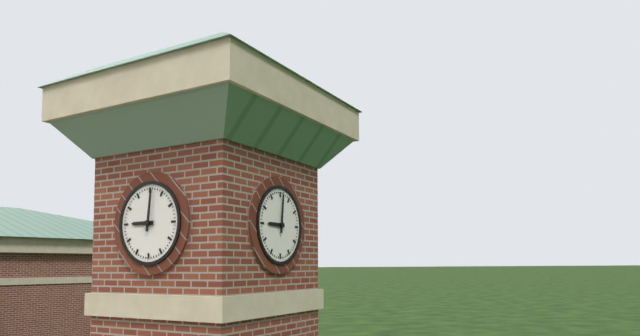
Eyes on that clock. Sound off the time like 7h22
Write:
9h01
